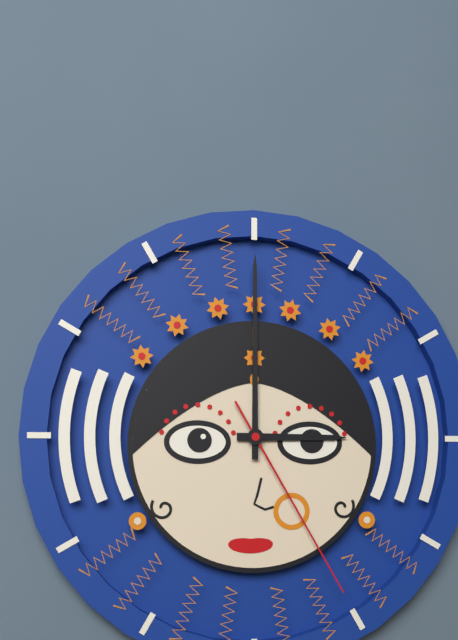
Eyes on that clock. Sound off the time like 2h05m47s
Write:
3h00m25s
